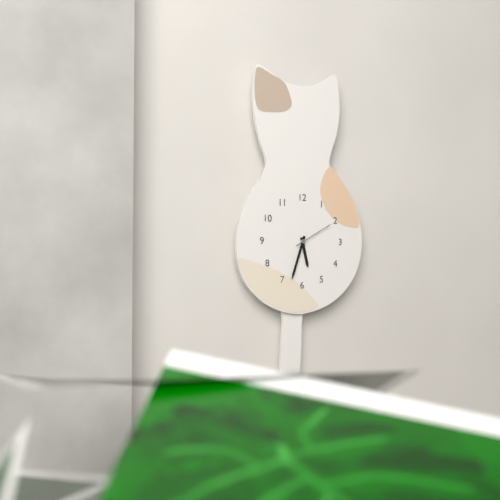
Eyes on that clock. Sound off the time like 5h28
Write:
5h33
